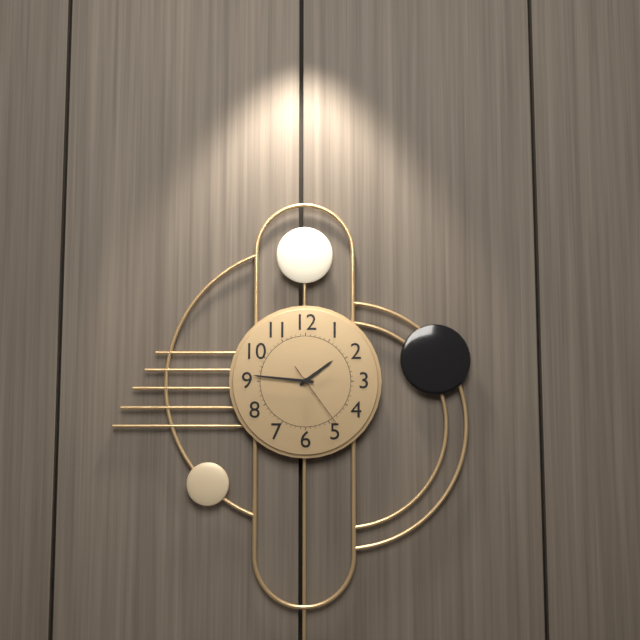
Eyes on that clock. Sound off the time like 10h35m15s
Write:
1h46m24s
